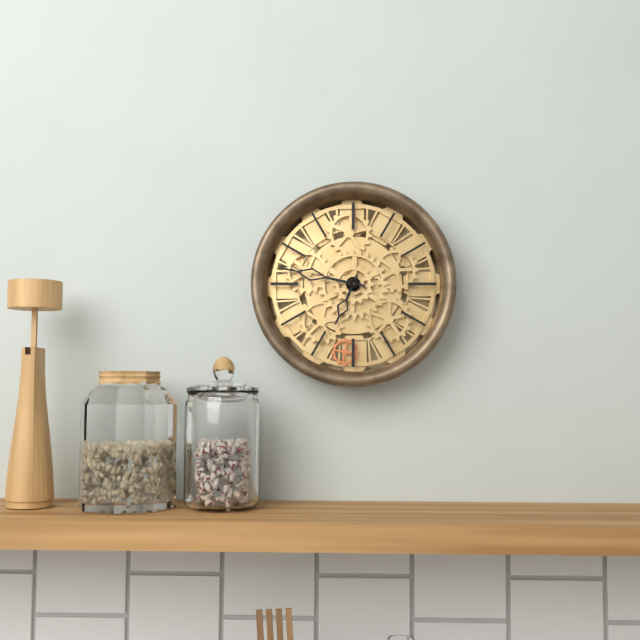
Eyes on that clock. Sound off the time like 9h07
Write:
6h47
